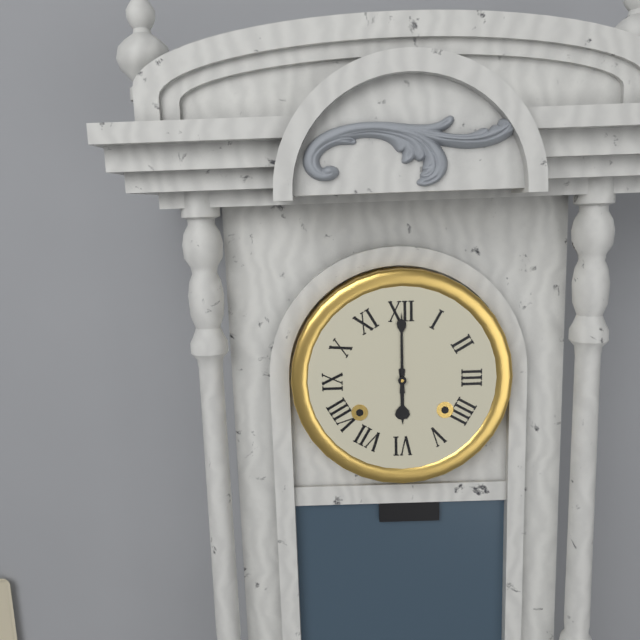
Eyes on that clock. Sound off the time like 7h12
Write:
6h00
